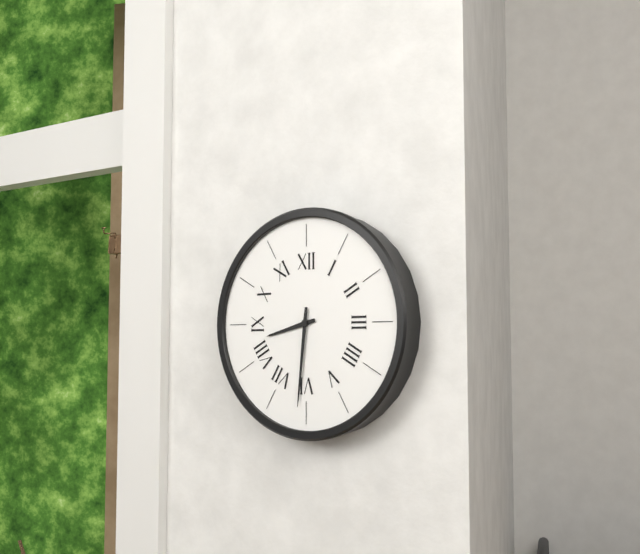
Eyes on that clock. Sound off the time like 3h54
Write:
8h31
